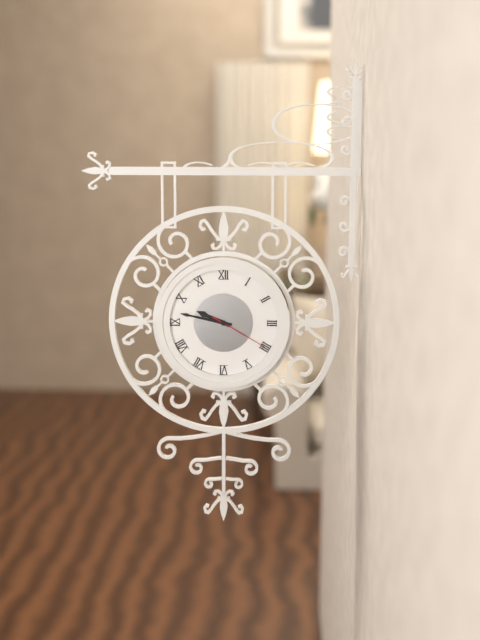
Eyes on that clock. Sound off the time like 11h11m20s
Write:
9h47m20s
